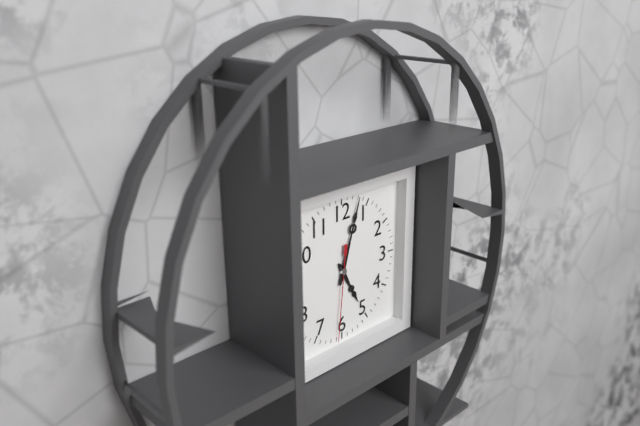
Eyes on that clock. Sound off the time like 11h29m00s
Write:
5h03m31s
